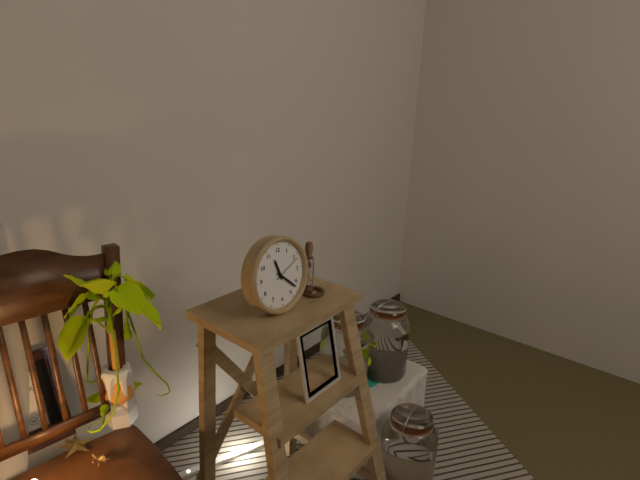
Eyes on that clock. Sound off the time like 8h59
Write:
11h22
